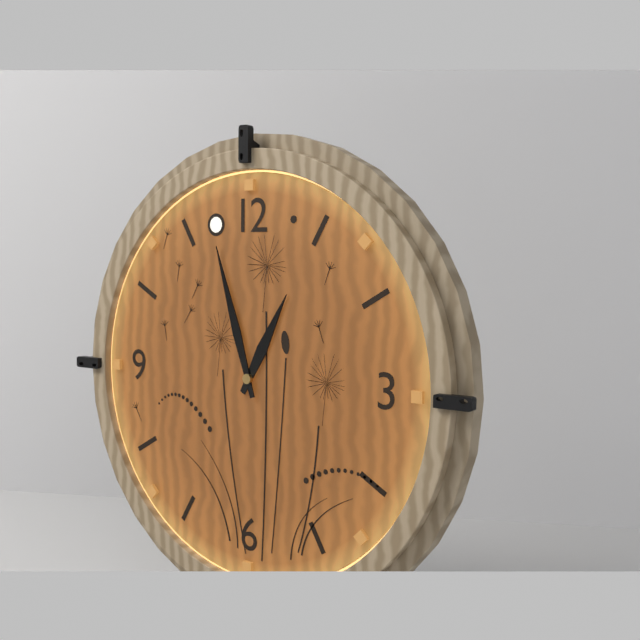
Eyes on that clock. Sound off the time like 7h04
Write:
12h57
